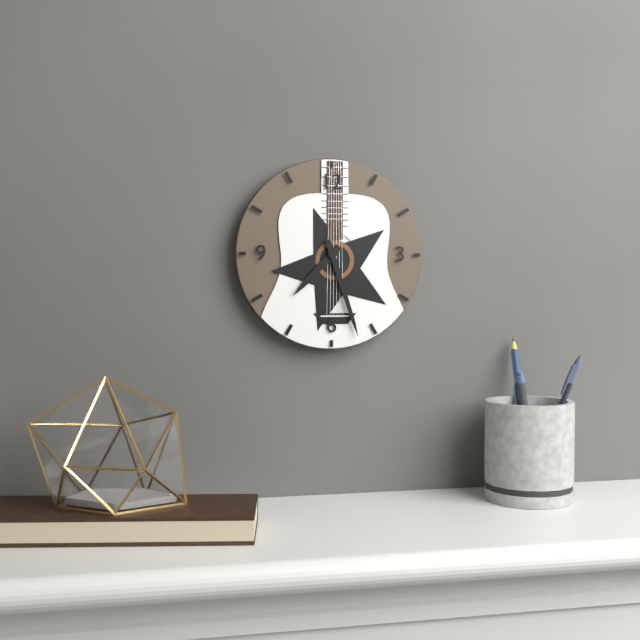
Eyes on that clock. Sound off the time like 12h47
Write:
7h27
